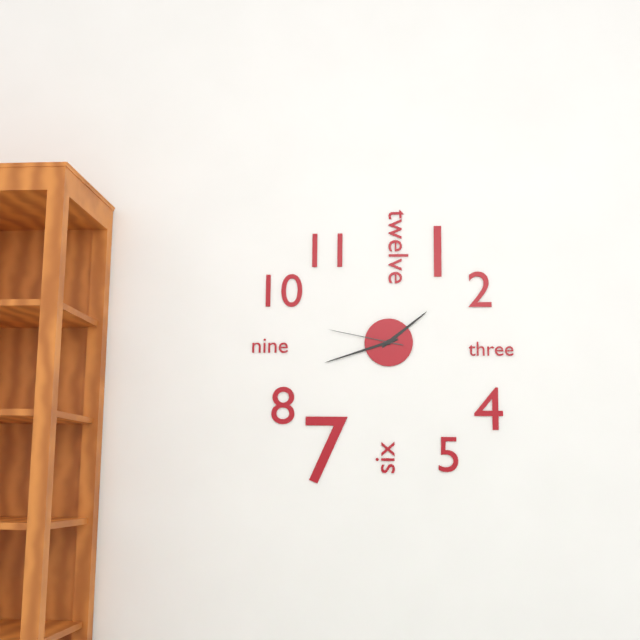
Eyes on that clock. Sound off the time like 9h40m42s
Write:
1h42m47s
